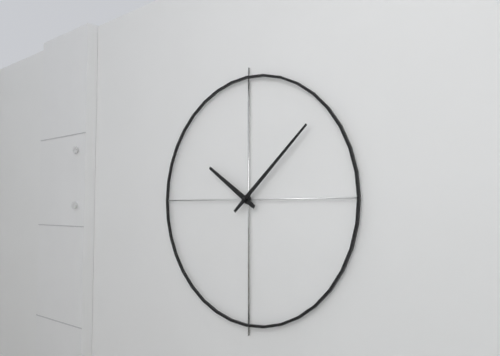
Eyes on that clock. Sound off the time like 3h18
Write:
10h08
